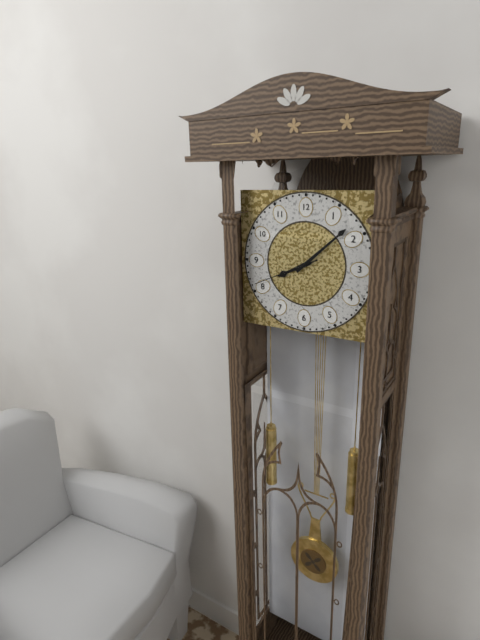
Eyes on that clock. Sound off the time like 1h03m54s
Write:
8h08m41s
